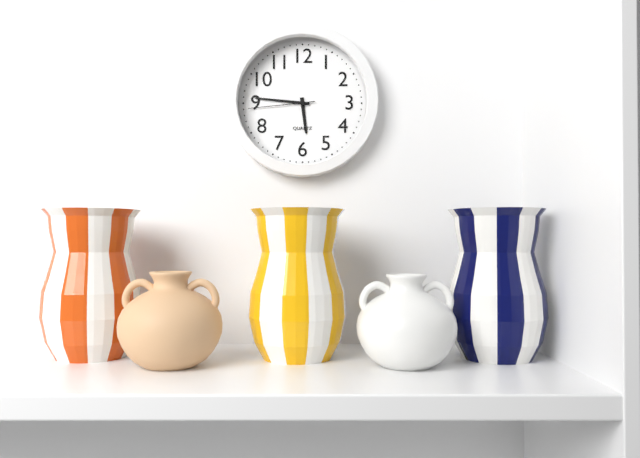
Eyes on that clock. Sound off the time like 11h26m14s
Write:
5h46m44s
